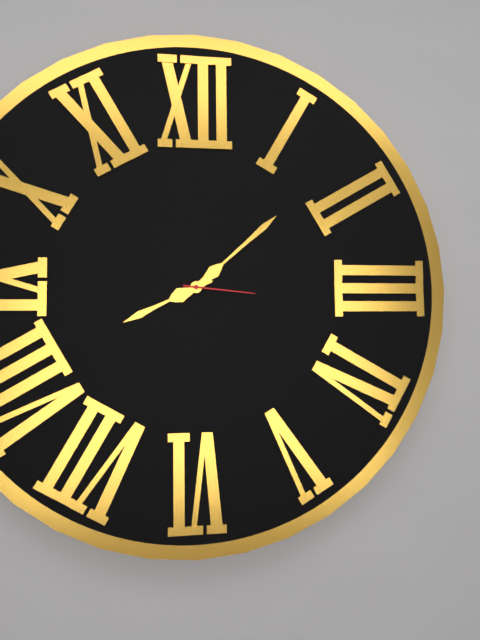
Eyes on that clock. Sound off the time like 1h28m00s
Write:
8h08m16s
